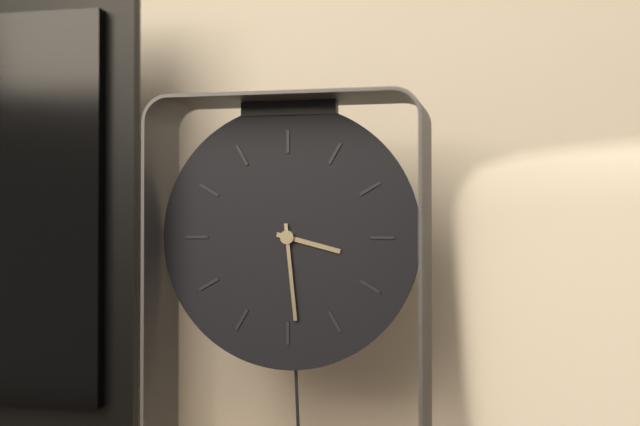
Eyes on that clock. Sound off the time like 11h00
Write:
3h29
